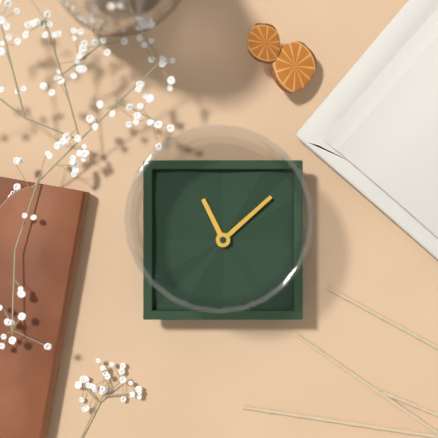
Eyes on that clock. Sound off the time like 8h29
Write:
11h08
